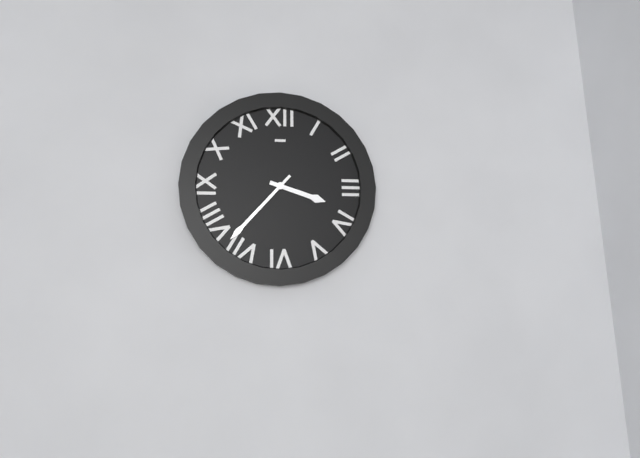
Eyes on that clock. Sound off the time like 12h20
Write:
3h37
